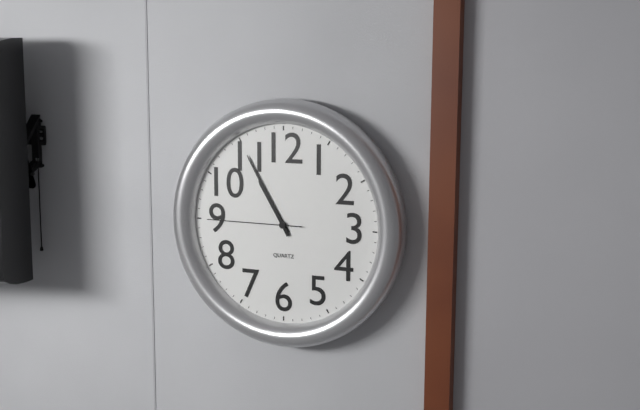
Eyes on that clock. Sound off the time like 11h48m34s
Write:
10h55m45s
